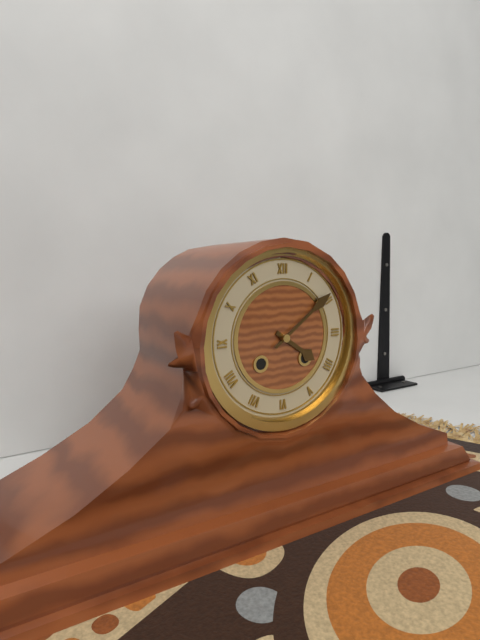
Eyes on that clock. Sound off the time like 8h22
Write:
4h09
